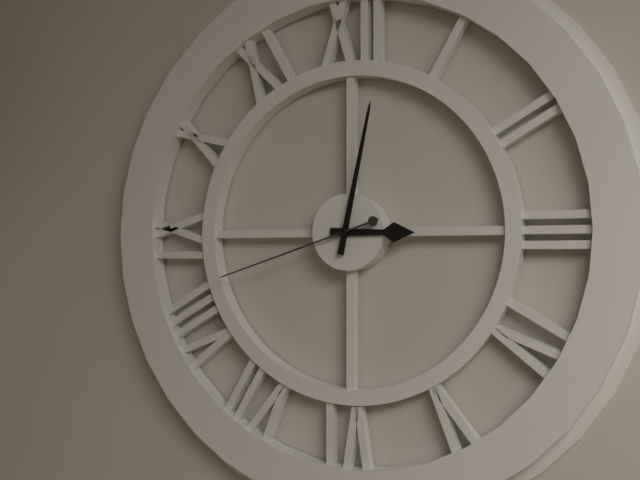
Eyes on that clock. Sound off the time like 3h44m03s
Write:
3h02m42s
